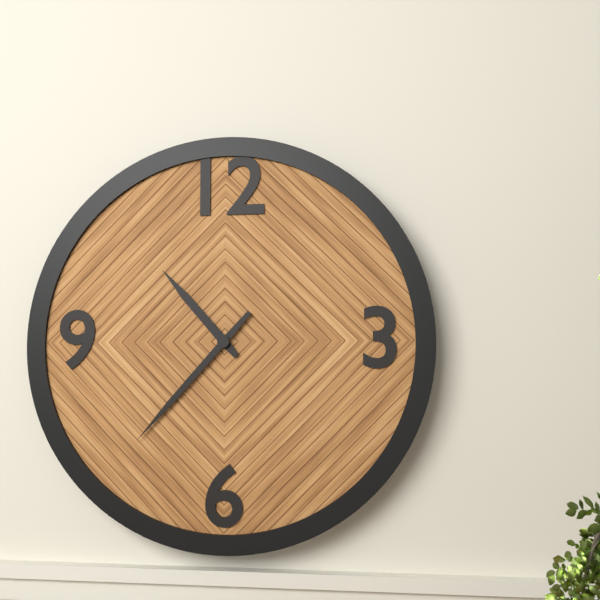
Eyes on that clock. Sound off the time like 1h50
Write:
10h37
